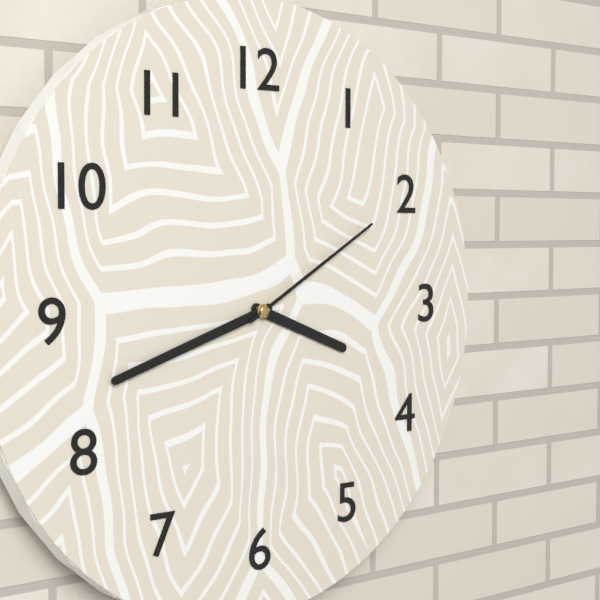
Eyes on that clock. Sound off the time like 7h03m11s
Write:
3h42m10s
